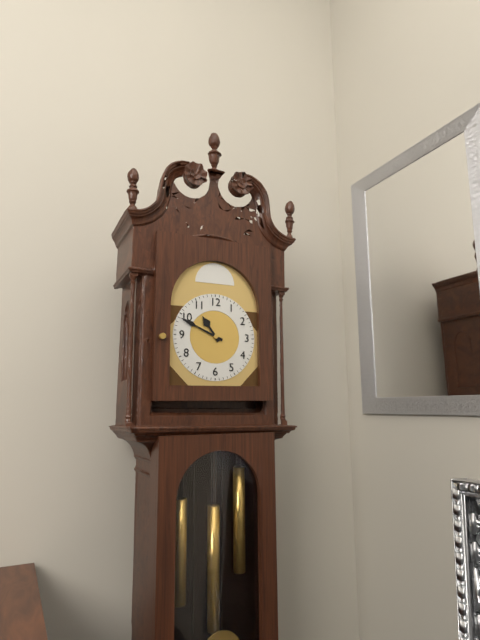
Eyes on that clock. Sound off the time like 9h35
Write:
10h49
